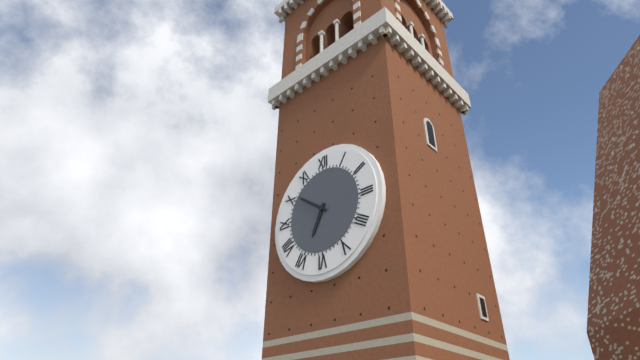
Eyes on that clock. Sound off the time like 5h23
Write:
6h51
